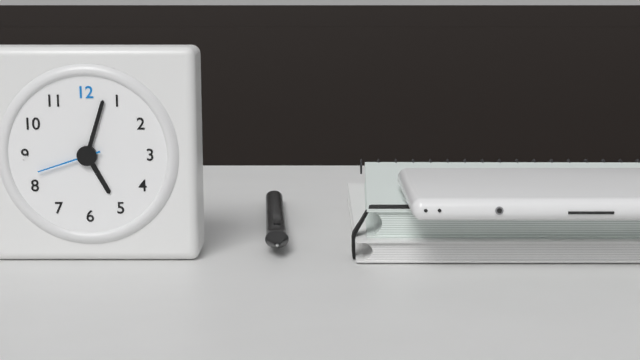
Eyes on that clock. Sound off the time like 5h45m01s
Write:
5h03m42s
